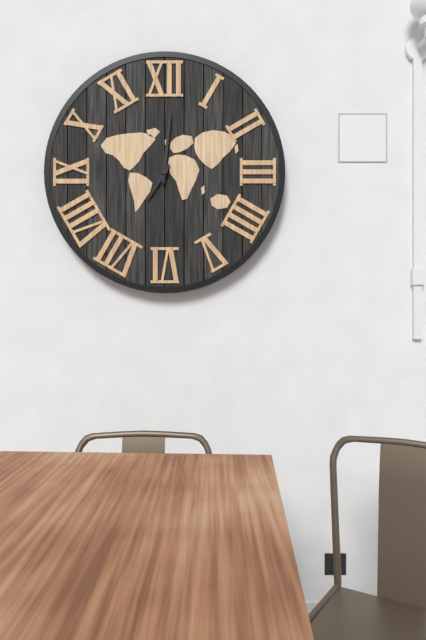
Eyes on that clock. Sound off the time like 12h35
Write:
7h01
